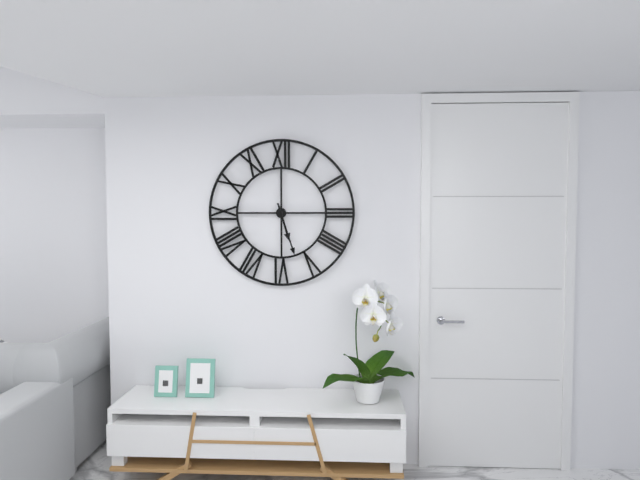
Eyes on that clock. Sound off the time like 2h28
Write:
5h27
